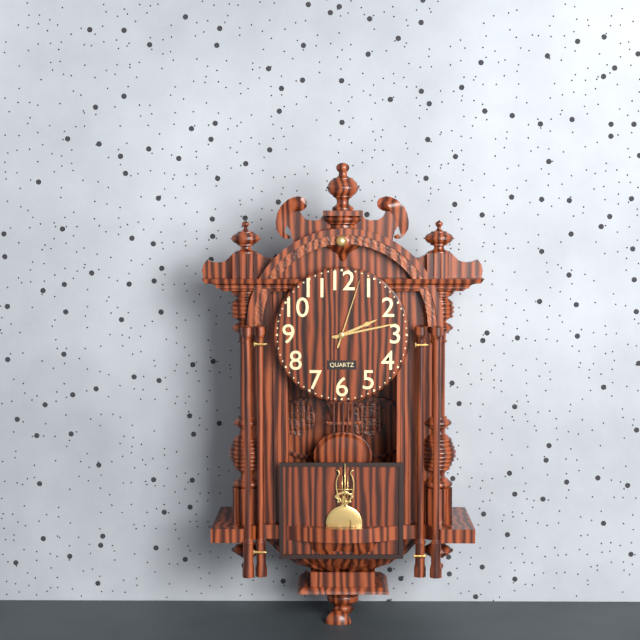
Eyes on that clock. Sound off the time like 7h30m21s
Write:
2h13m03s
